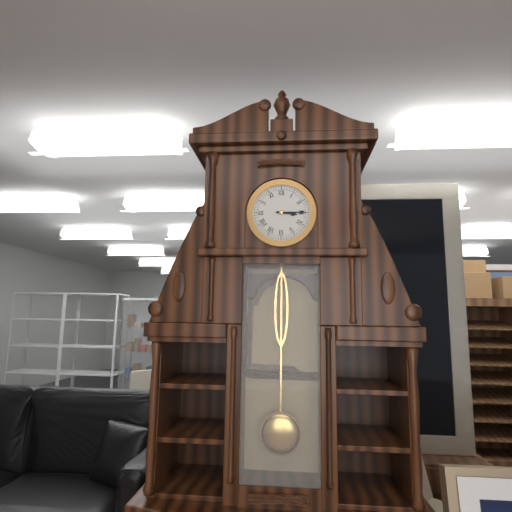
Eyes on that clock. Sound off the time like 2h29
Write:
3h15
